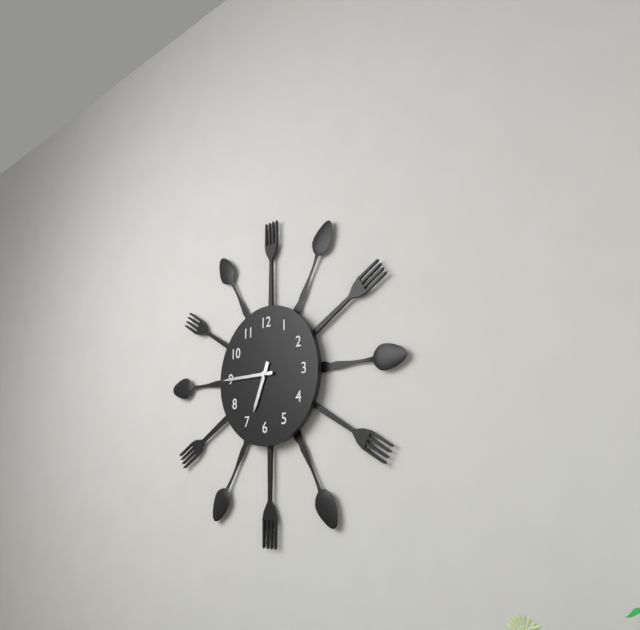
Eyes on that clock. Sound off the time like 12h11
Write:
6h45
